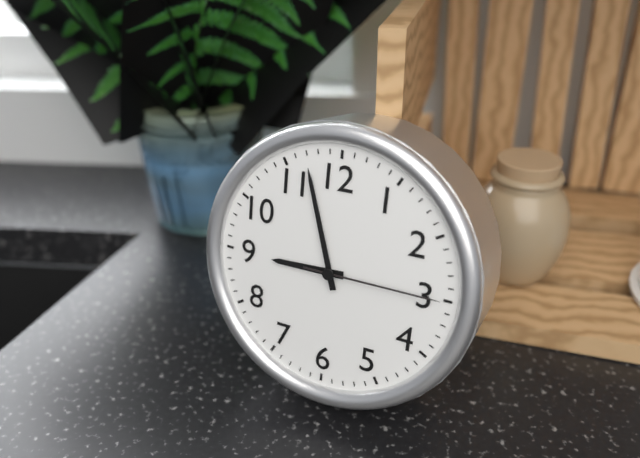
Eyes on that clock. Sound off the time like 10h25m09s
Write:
8h57m15s
